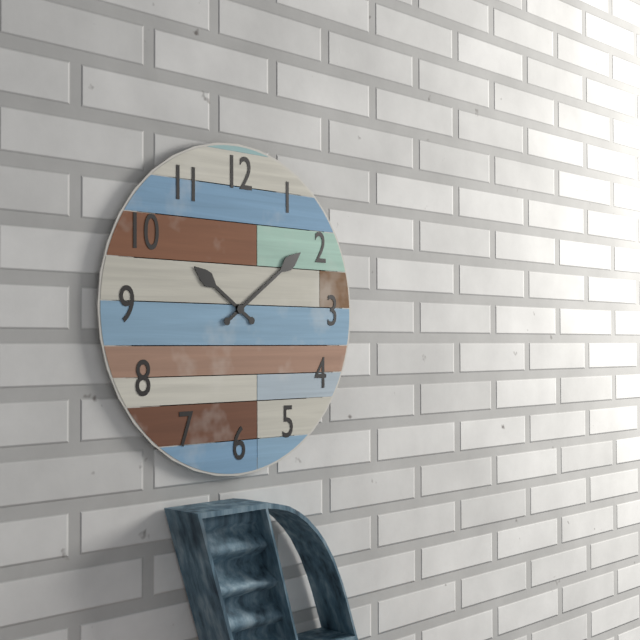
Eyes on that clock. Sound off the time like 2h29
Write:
10h09
